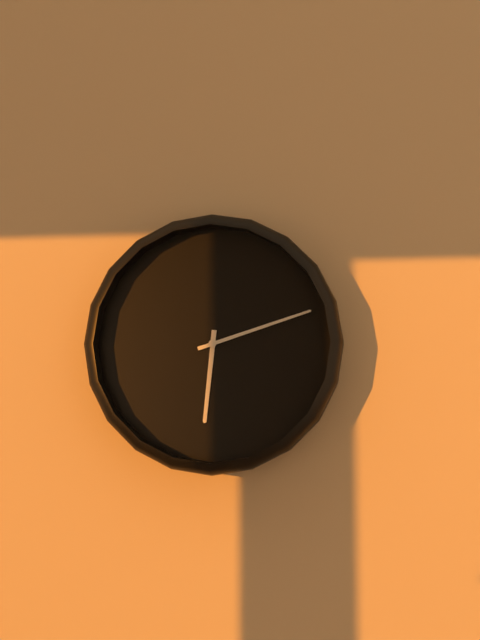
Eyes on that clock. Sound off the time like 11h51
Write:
6h12
